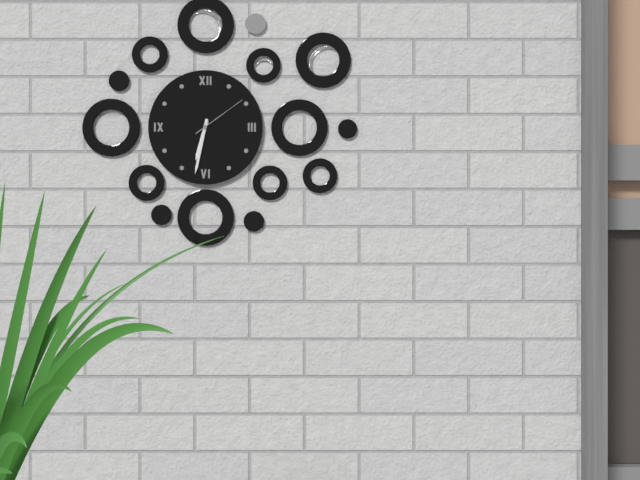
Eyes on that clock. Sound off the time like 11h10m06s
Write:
6h32m09s
